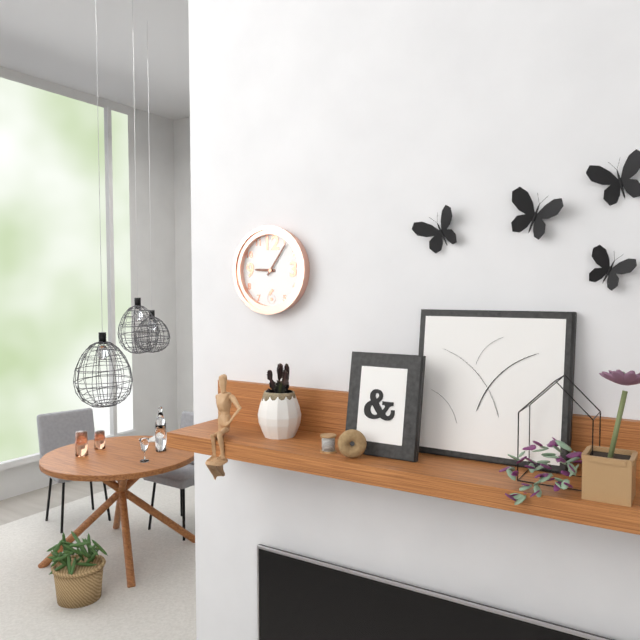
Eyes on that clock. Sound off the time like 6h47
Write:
9h06
